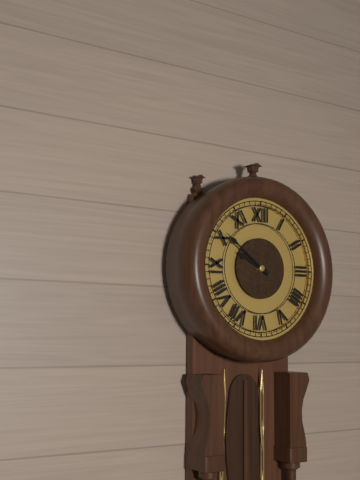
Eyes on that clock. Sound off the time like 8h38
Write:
9h51
